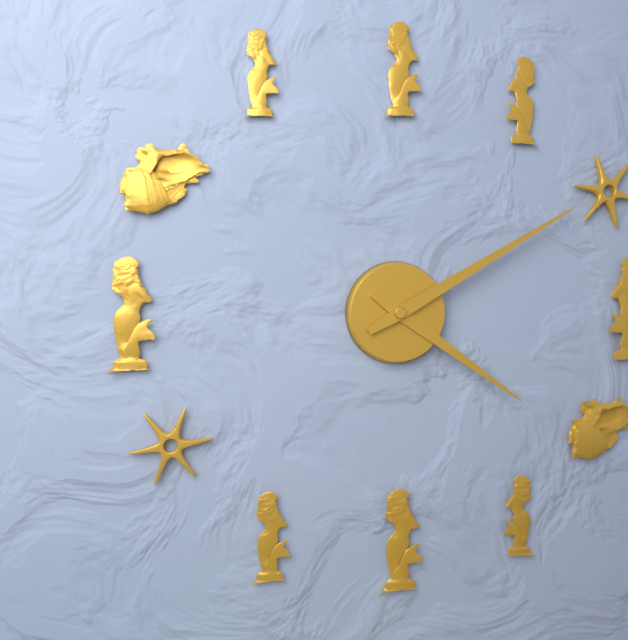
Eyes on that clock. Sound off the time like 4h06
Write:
4h10
